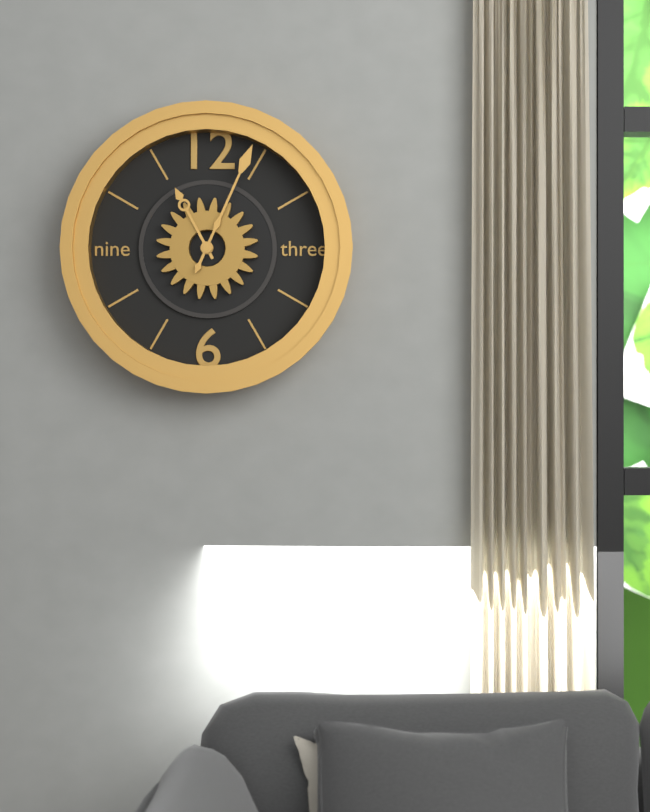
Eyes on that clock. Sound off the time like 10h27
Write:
11h04
